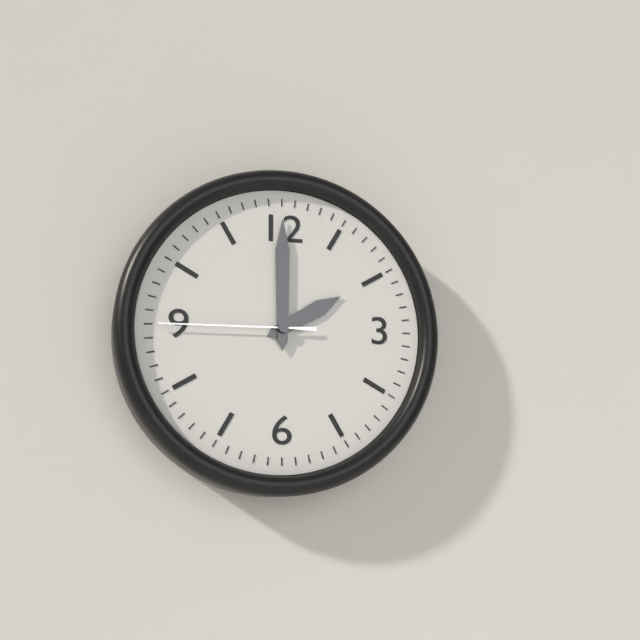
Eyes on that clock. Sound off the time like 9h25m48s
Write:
2h00m45s
